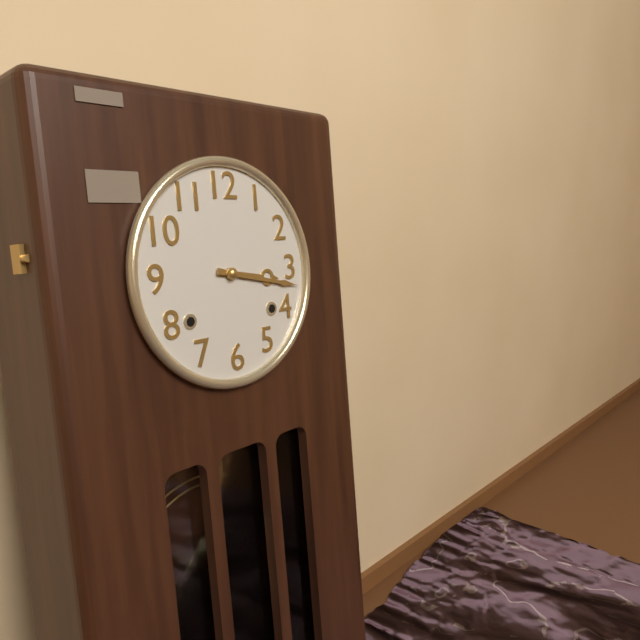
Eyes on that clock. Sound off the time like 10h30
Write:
3h17
